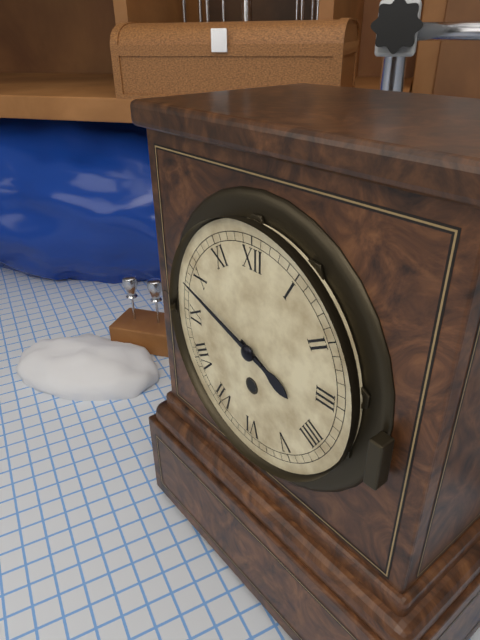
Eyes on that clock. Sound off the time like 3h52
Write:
3h48
